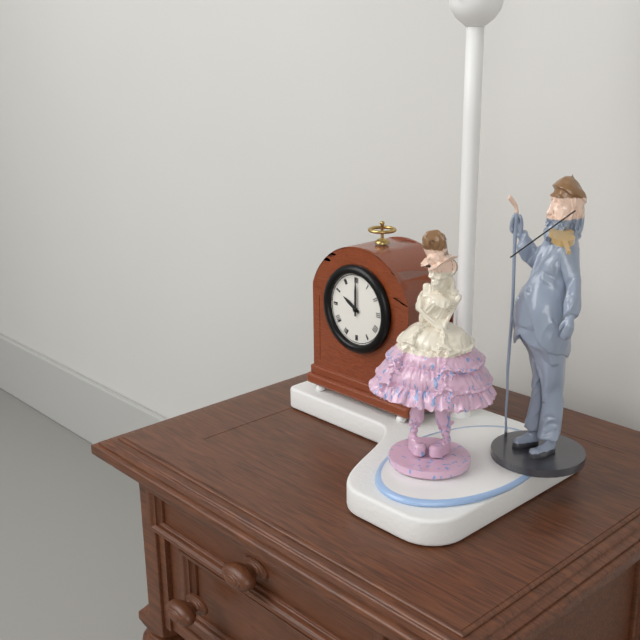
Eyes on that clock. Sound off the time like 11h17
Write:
10h00
